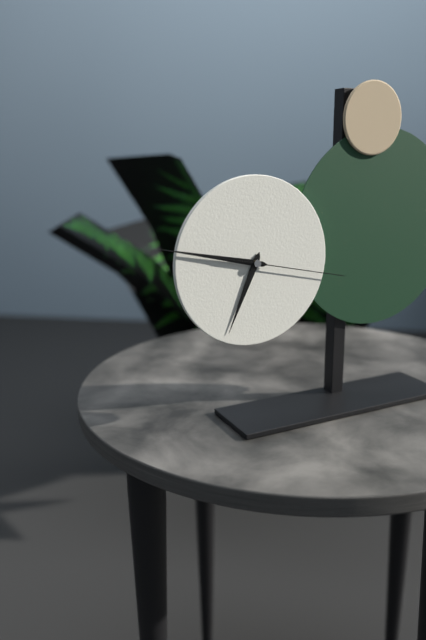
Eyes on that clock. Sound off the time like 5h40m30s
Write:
6h47m17s
